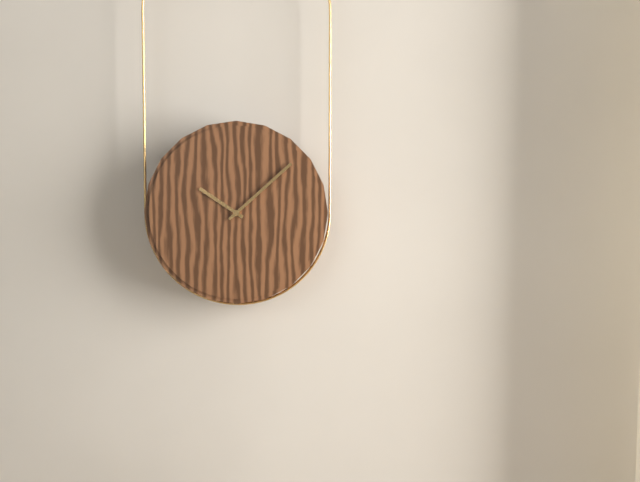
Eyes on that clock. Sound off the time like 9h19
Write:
10h08
